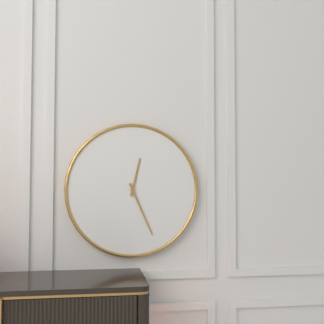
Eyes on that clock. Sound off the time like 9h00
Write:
12h26
